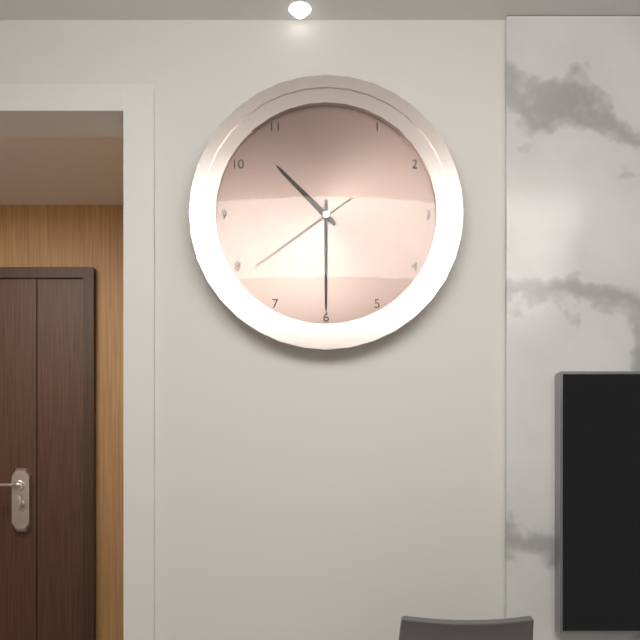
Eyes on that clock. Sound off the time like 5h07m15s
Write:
10h30m39s
